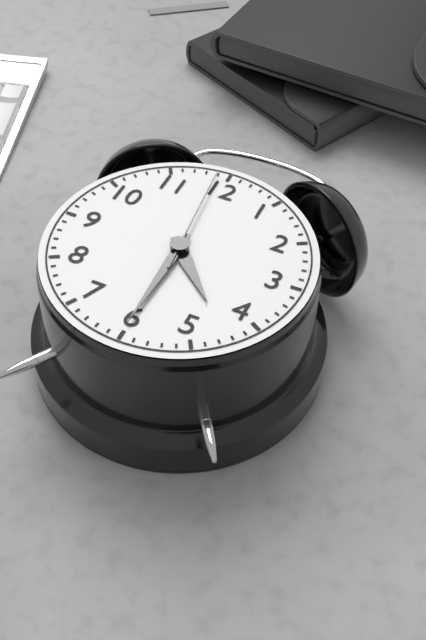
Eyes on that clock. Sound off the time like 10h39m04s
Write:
4h30m59s
